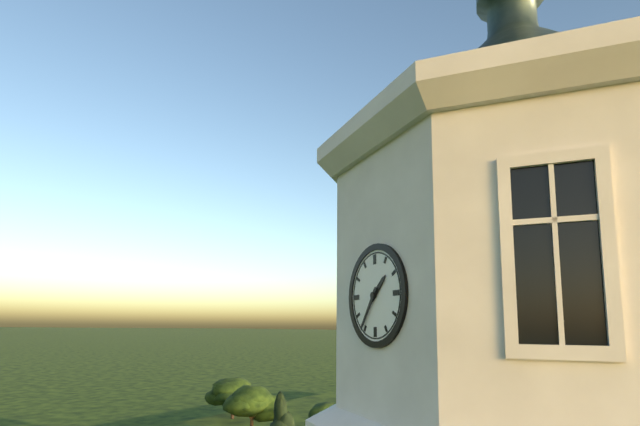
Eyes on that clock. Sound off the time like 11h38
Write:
1h36
